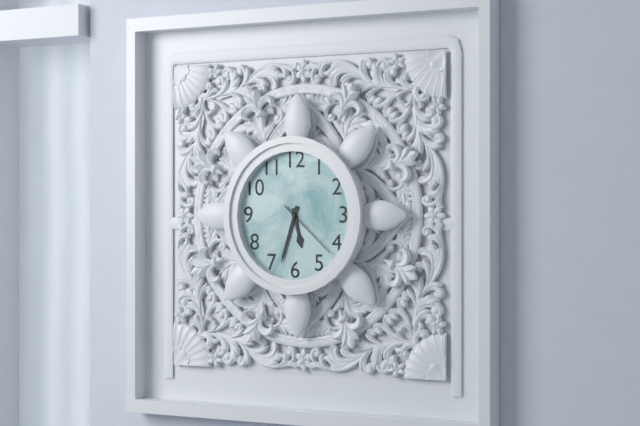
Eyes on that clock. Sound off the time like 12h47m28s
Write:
5h33m22s
